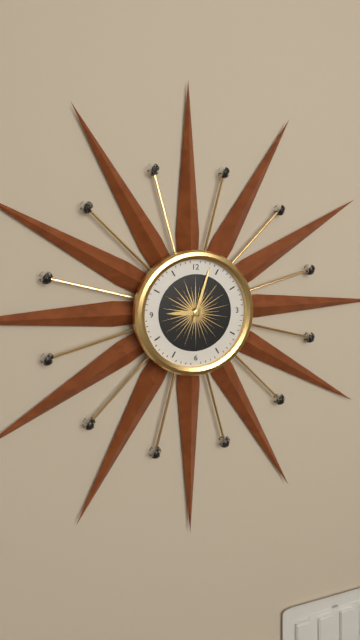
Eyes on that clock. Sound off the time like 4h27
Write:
9h03
